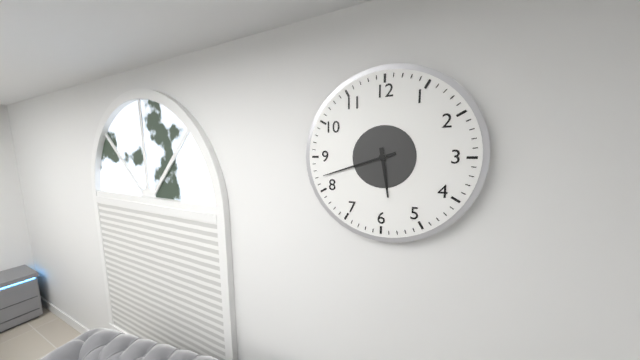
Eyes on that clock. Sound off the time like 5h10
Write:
5h42
